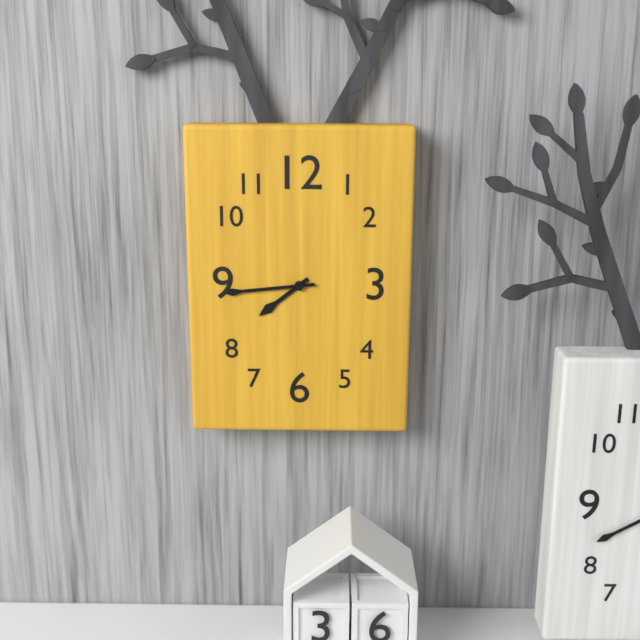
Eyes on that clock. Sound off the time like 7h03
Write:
7h44
